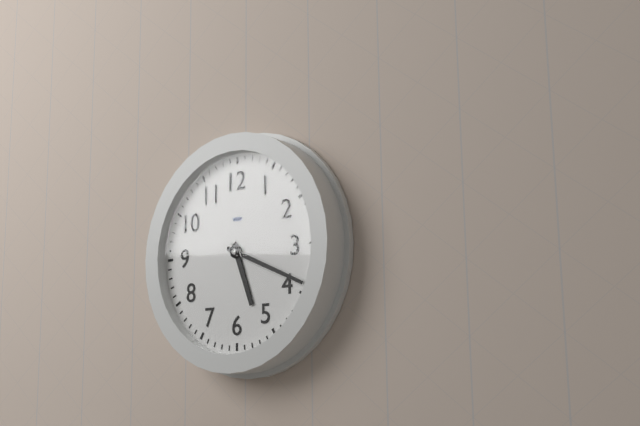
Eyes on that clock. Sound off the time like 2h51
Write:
5h19
